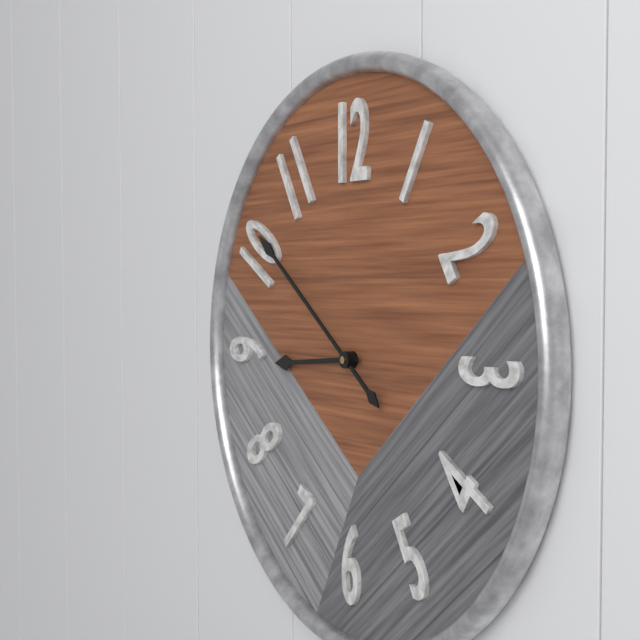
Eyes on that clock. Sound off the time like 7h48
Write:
8h51
